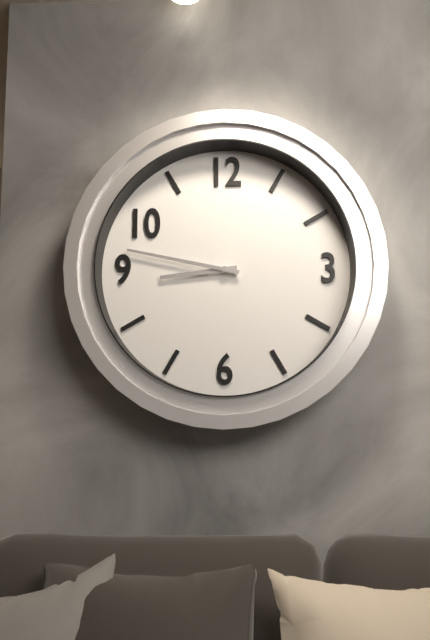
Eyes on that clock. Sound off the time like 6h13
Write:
8h47
